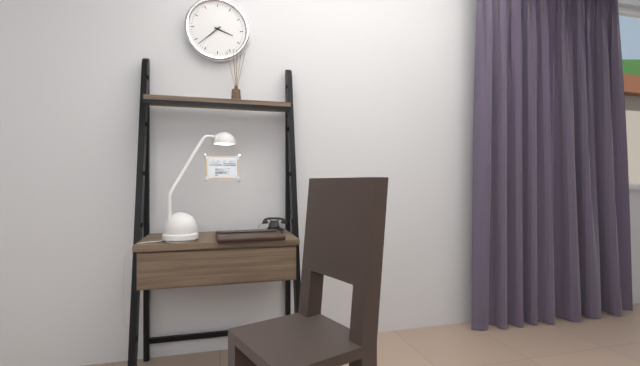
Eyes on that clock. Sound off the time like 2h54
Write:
3h38
